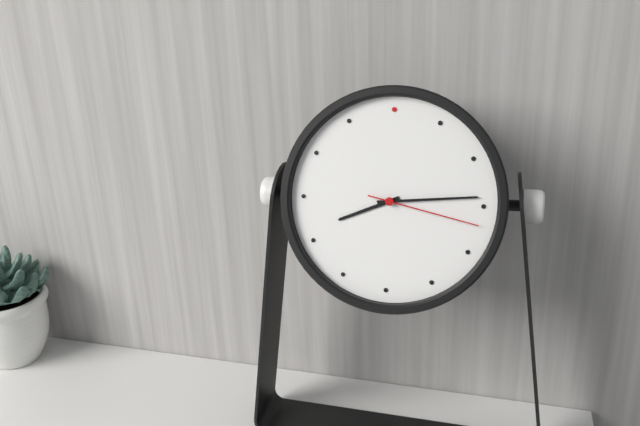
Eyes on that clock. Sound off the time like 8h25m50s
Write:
8h14m17s
